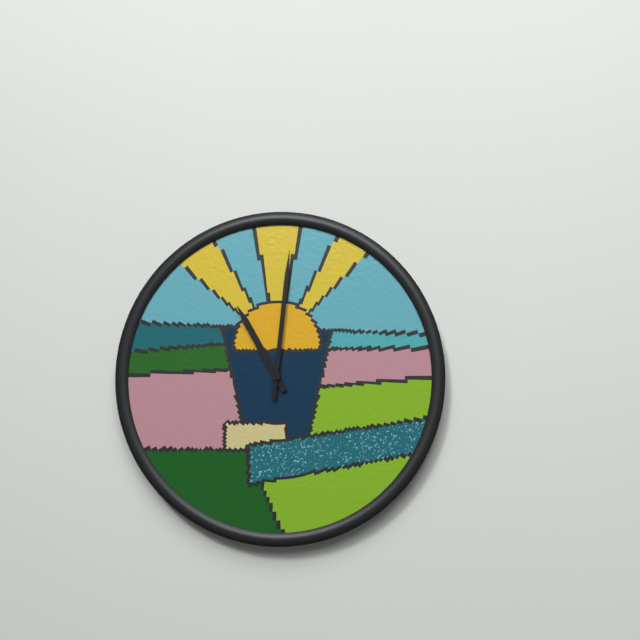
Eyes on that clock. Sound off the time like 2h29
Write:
11h01
